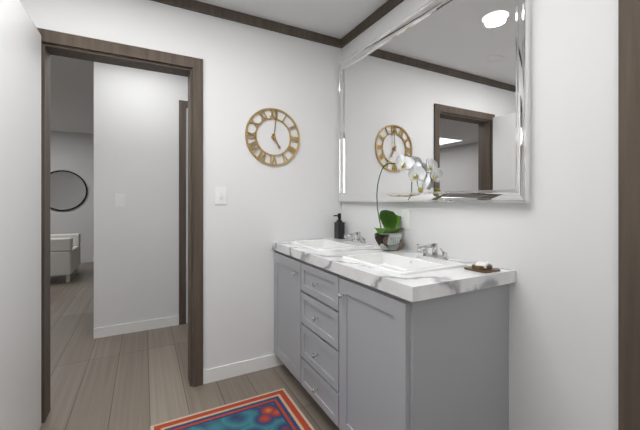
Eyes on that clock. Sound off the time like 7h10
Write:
5h01
